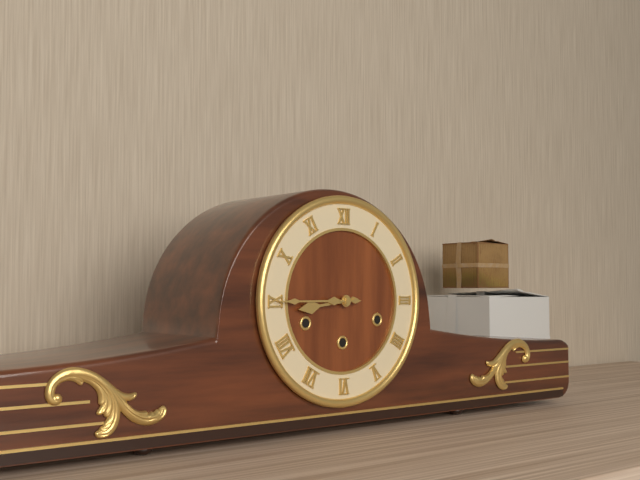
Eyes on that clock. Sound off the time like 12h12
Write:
8h45
